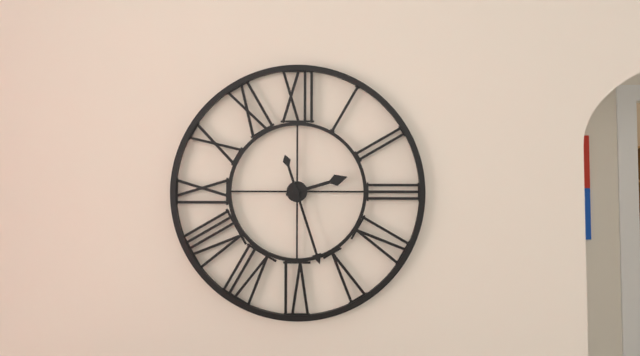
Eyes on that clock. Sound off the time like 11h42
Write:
2h27
